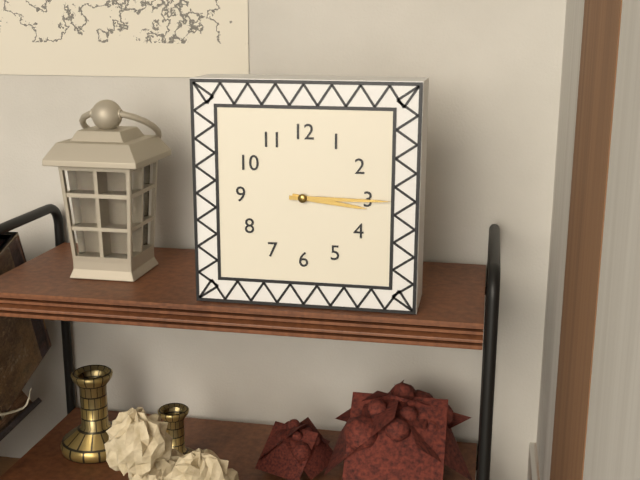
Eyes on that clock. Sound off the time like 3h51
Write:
3h15
